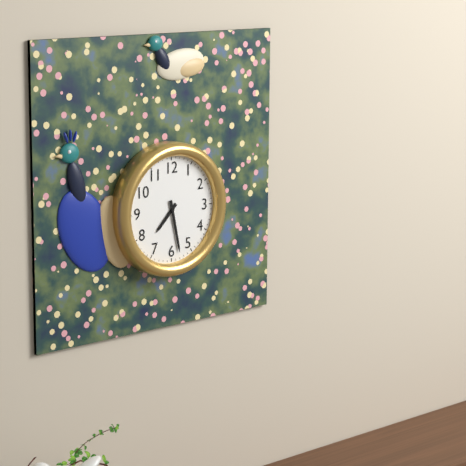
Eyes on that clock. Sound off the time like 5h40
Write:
7h28
